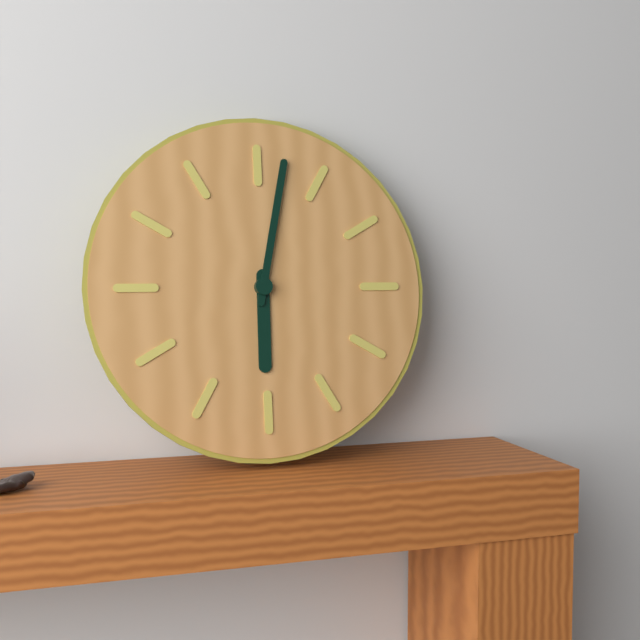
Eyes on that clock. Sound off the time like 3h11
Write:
6h02
